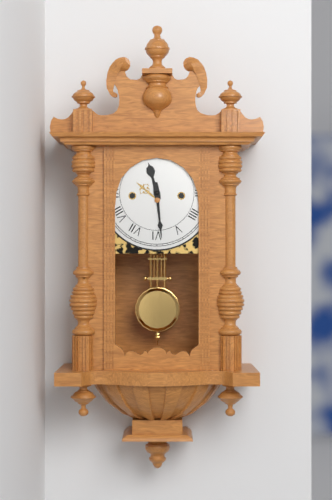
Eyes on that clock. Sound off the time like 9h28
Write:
11h29
